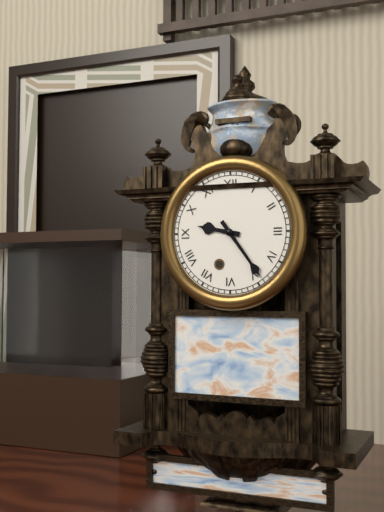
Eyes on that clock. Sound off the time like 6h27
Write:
9h24
